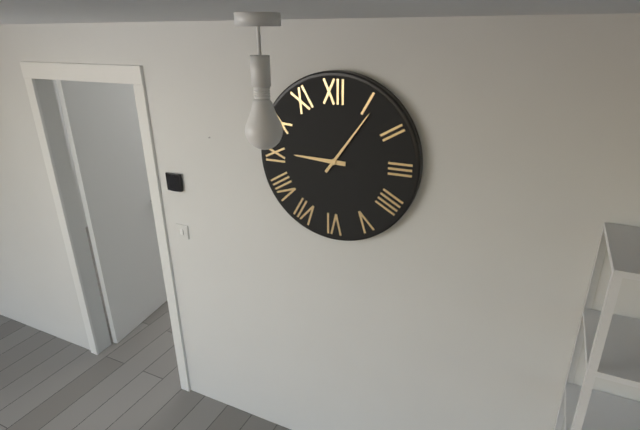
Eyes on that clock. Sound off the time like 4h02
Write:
9h06
